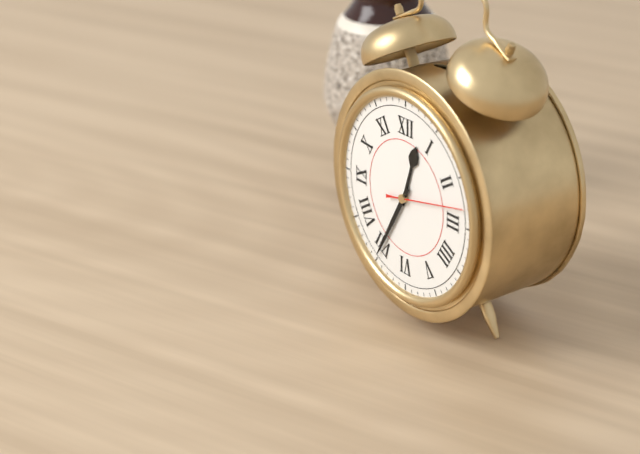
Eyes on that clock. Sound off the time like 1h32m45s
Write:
12h35m13s
